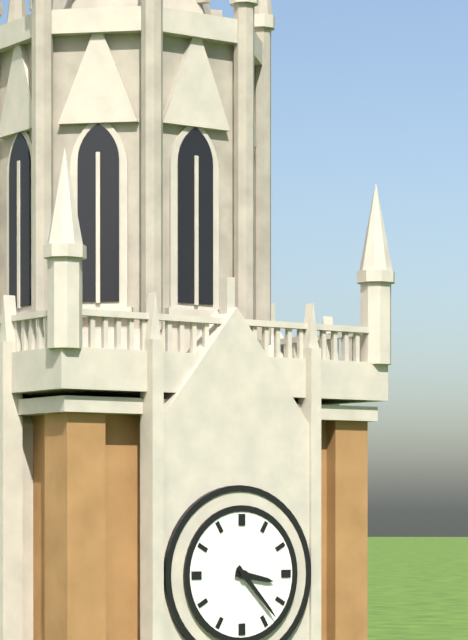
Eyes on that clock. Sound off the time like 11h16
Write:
3h23
